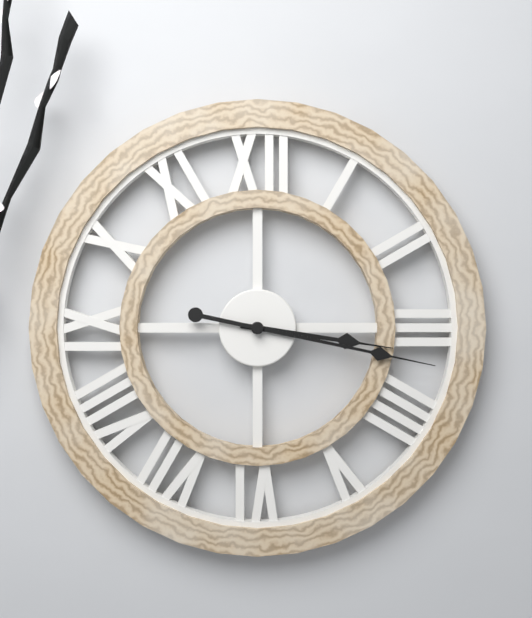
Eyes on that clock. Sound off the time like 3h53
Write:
3h17
